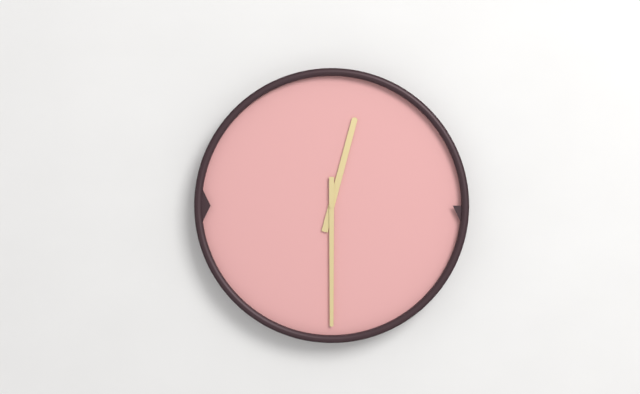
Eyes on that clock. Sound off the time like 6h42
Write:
12h30
